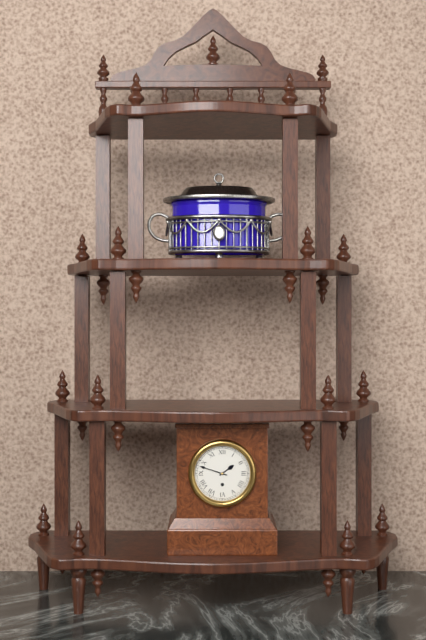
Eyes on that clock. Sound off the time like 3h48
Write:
1h48
